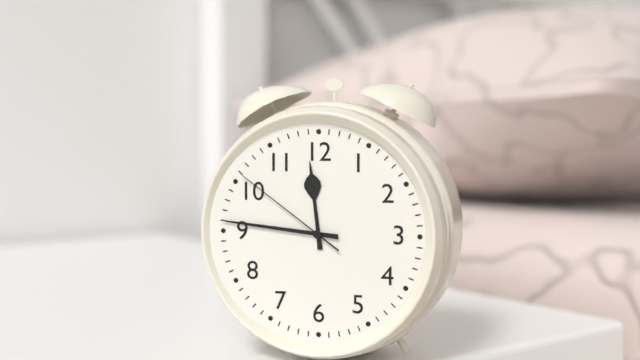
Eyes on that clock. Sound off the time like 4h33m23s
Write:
11h46m51s
